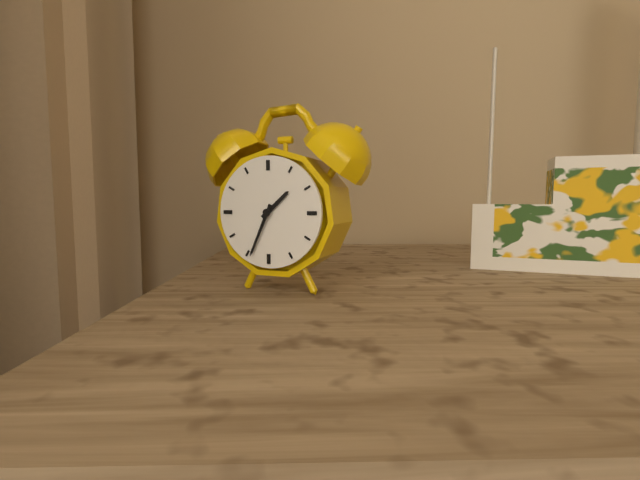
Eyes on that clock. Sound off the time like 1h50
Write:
1h34
